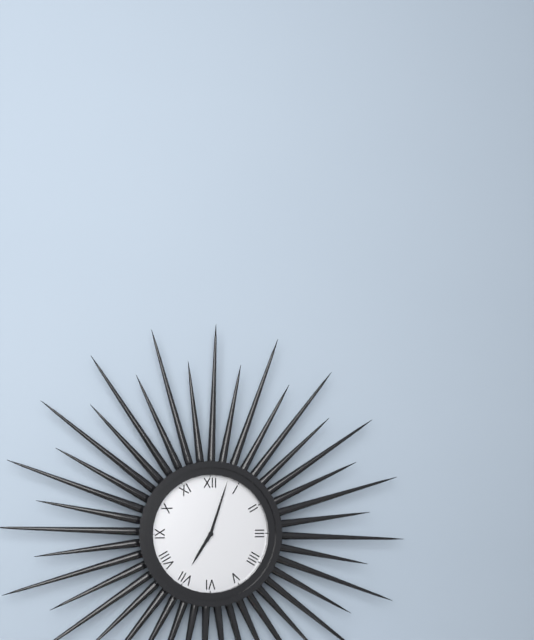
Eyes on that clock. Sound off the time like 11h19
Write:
7h03
